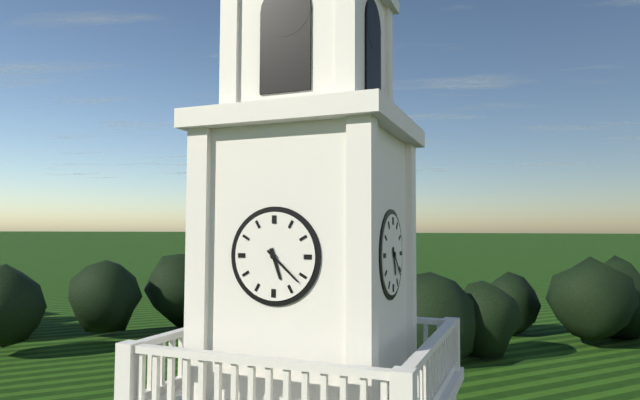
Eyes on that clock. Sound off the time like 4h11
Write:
5h22
